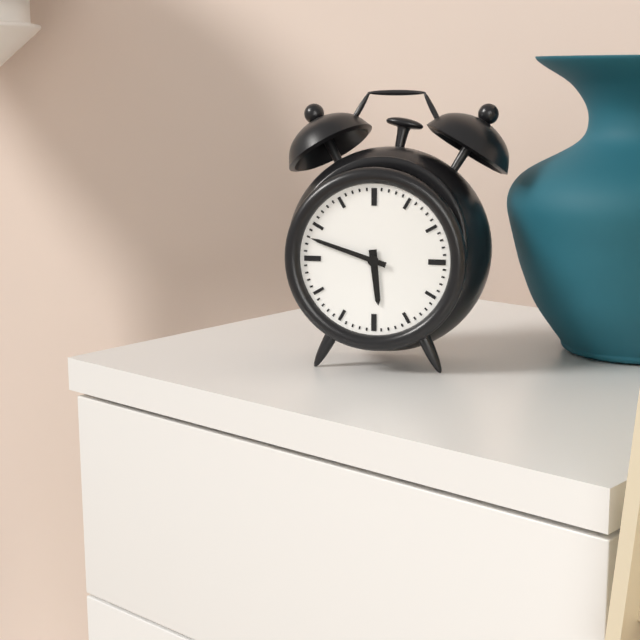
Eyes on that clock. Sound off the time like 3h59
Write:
5h48
